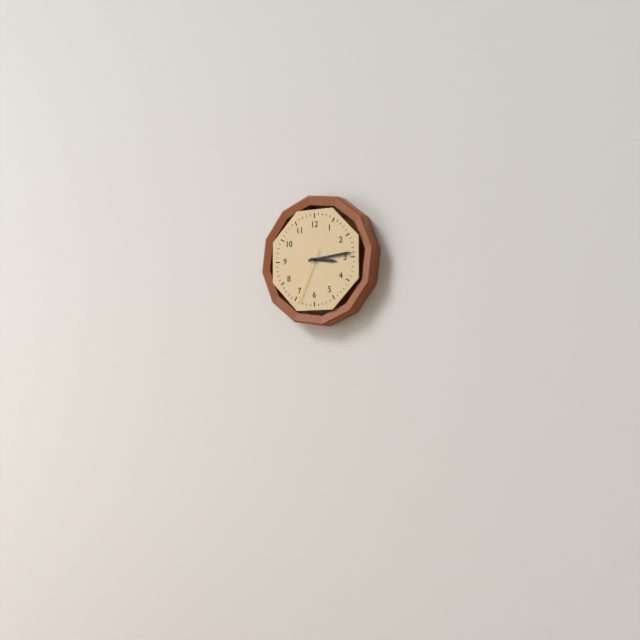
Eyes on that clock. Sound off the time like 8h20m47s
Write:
3h14m34s
